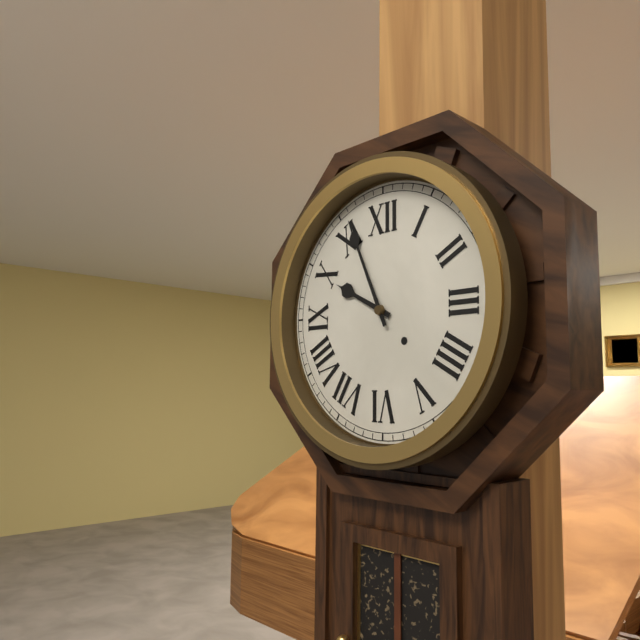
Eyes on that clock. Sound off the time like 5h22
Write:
9h56
